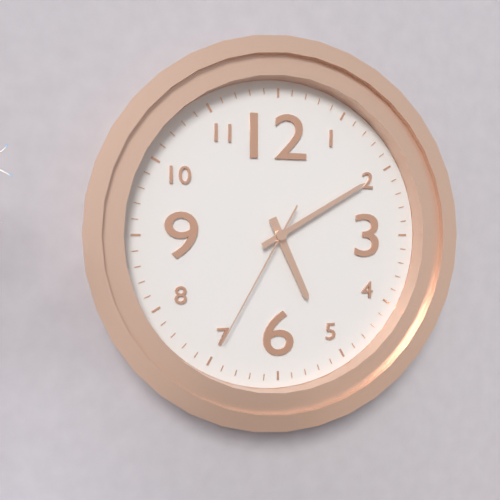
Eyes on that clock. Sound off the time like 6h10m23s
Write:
5h10m35s
